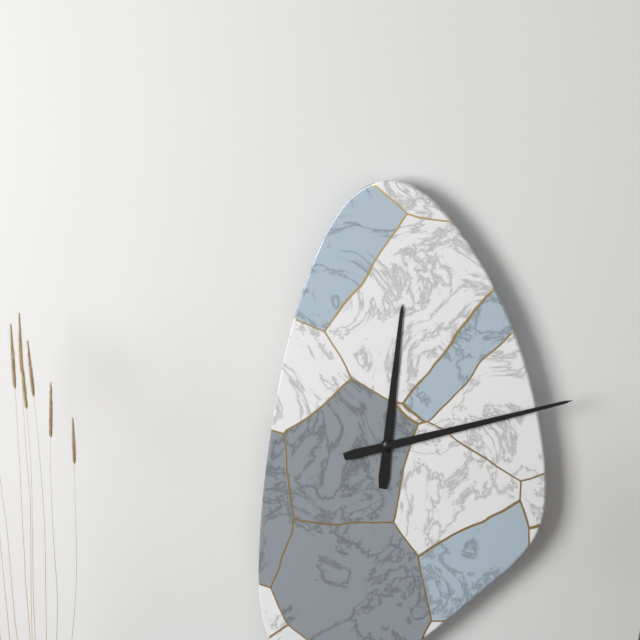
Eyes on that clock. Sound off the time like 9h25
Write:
12h12
